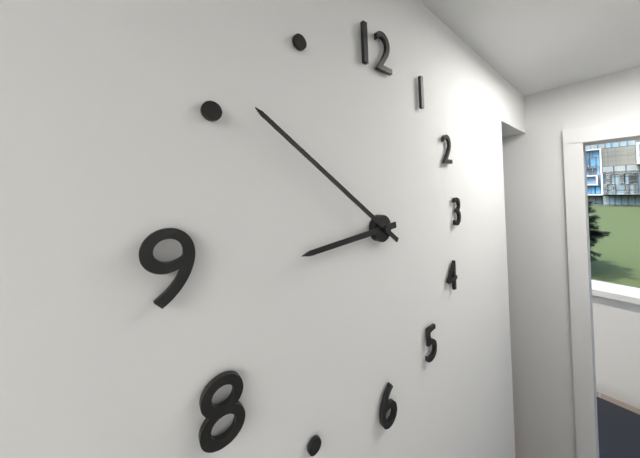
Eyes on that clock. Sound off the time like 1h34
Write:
8h51
